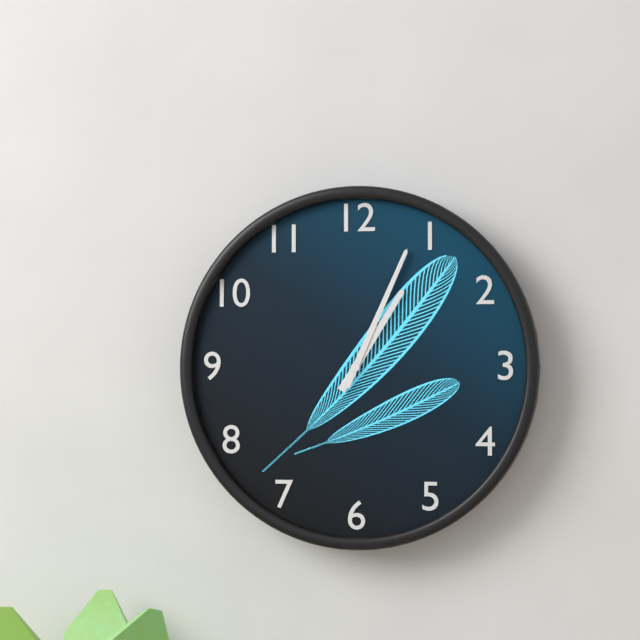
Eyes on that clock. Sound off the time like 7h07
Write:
1h04
